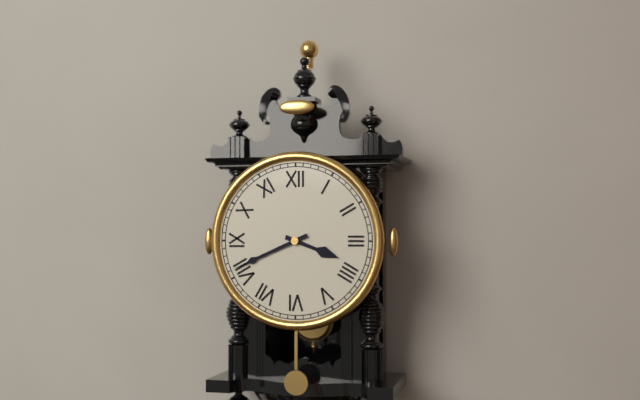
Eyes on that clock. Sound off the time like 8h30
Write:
3h41
